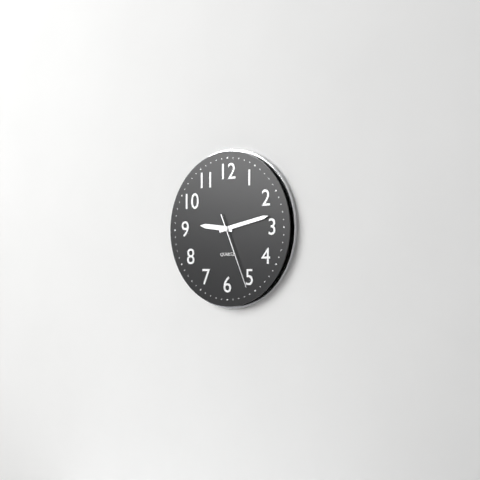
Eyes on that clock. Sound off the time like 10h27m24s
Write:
9h13m26s
